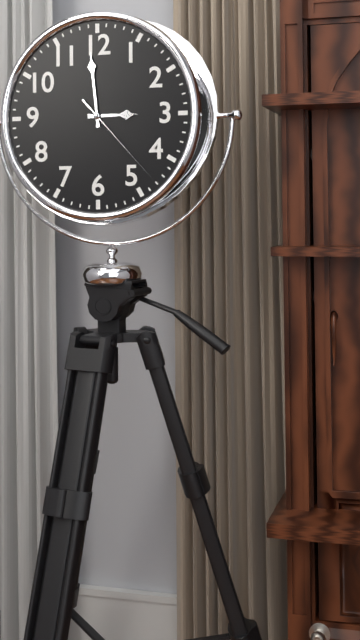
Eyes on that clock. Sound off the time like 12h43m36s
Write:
2h59m23s
